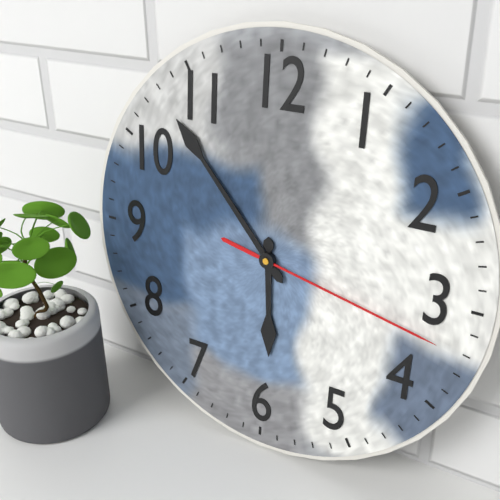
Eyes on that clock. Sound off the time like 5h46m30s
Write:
5h53m17s
